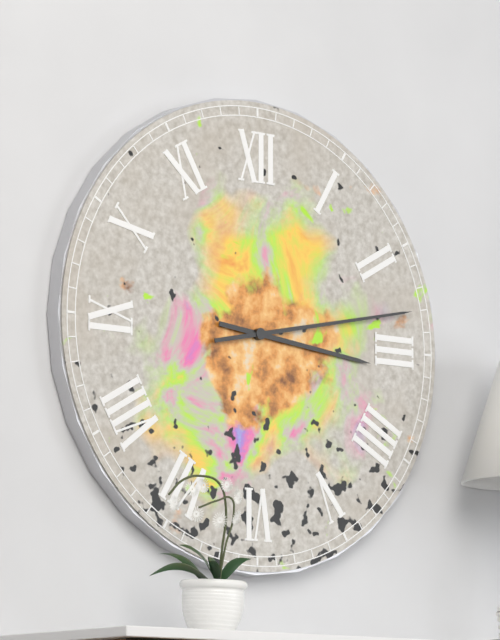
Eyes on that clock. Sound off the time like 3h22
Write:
3h13
